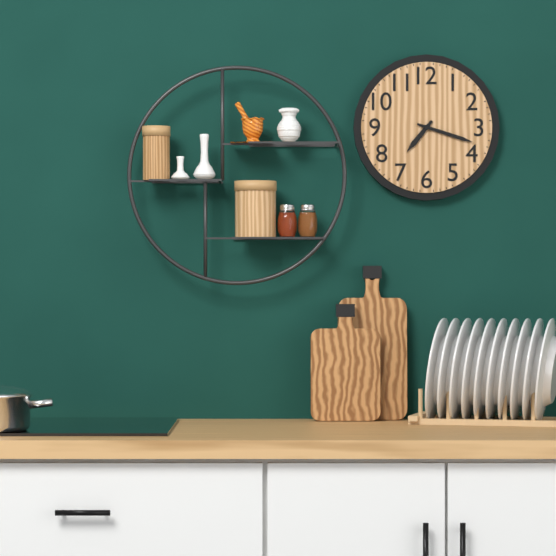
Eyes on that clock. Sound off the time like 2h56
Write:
7h18
